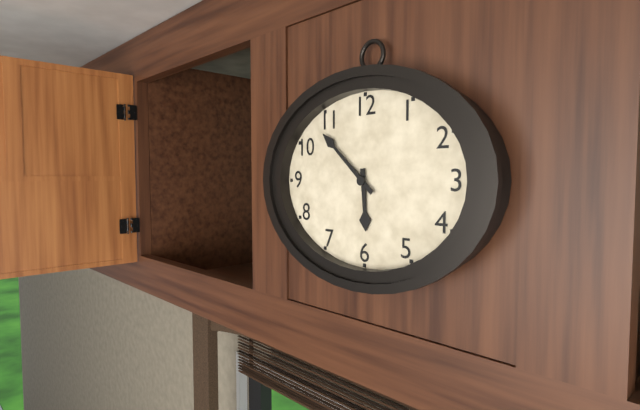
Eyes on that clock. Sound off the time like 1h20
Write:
5h52
